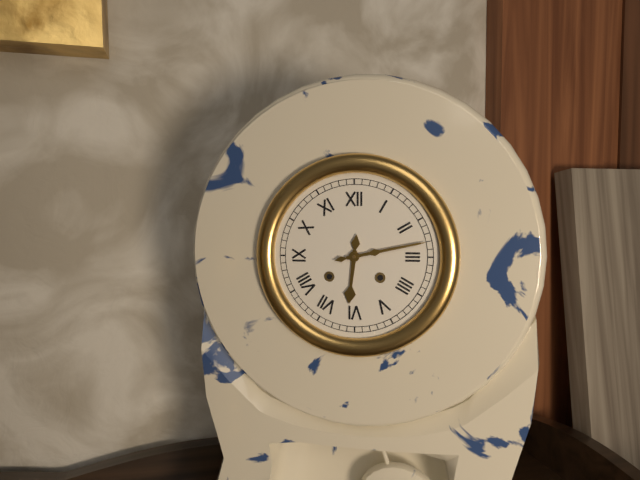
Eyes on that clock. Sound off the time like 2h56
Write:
6h13
